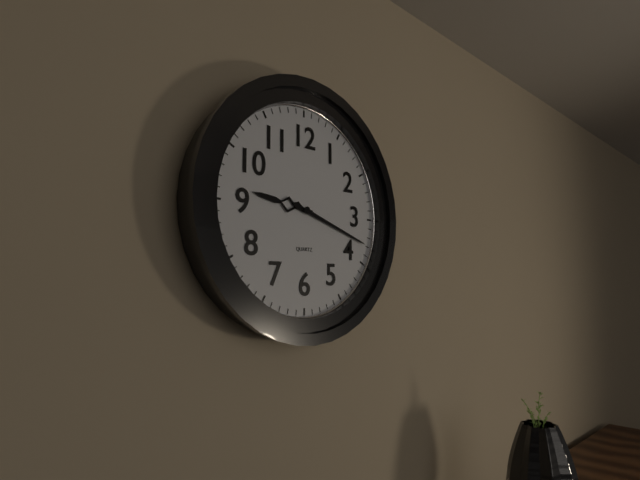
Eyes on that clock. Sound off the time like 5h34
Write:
9h18
